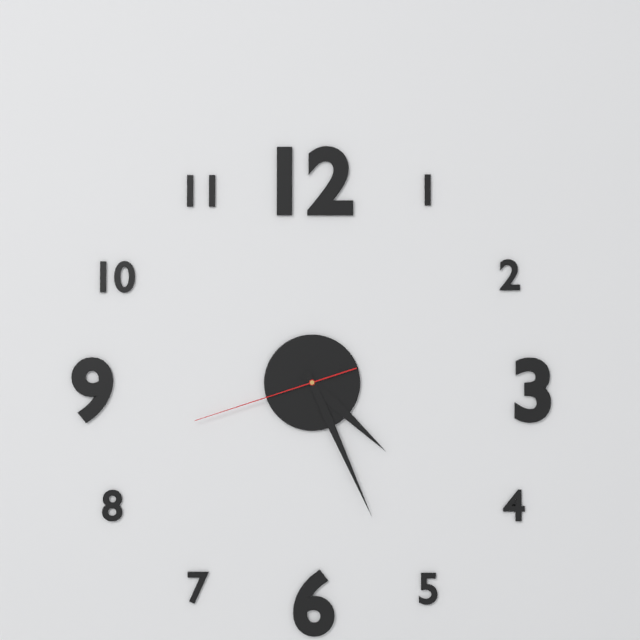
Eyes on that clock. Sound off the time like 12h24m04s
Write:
4h26m42s
